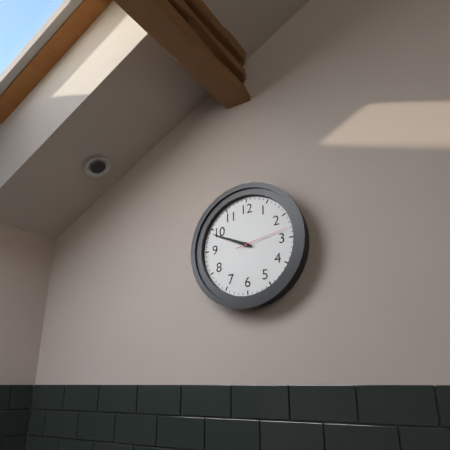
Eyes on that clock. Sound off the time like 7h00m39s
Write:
9h49m13s
